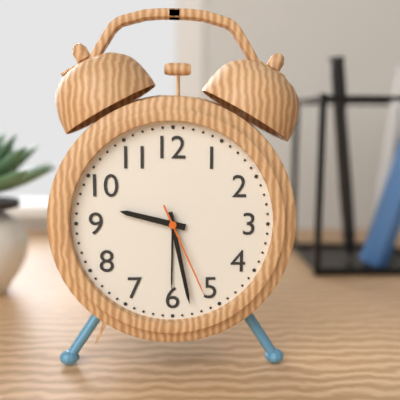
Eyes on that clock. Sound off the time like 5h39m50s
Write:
9h28m26s
